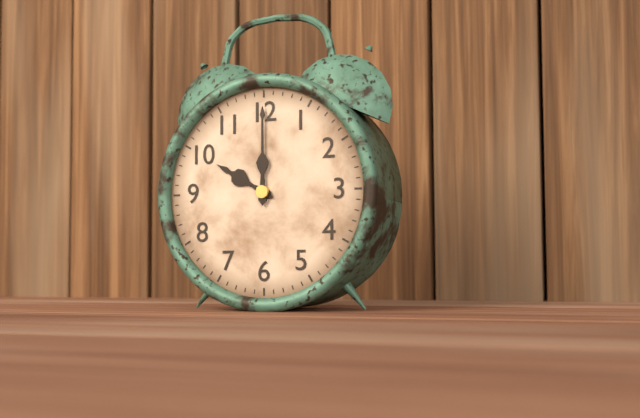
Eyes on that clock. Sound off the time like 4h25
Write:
10h00
